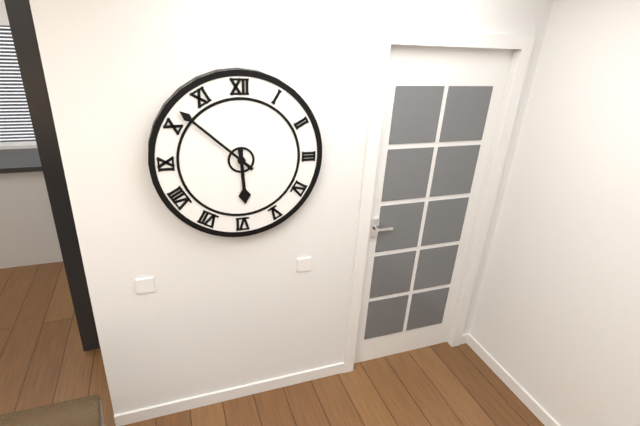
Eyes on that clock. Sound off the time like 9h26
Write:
5h52
